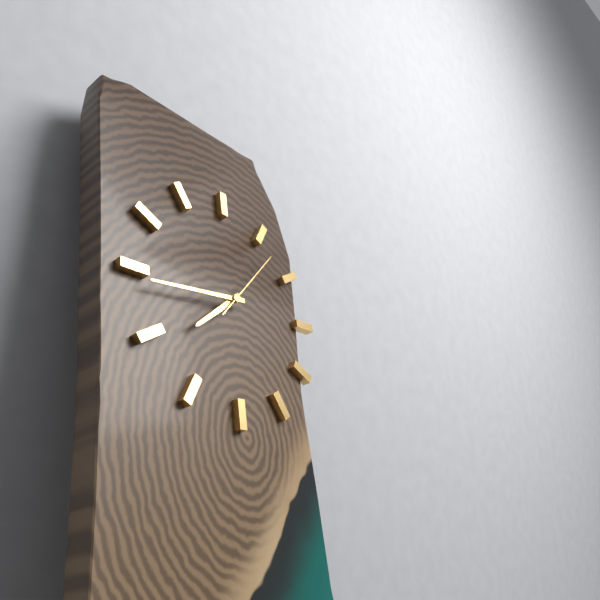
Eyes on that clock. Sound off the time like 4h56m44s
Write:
7h44m07s
